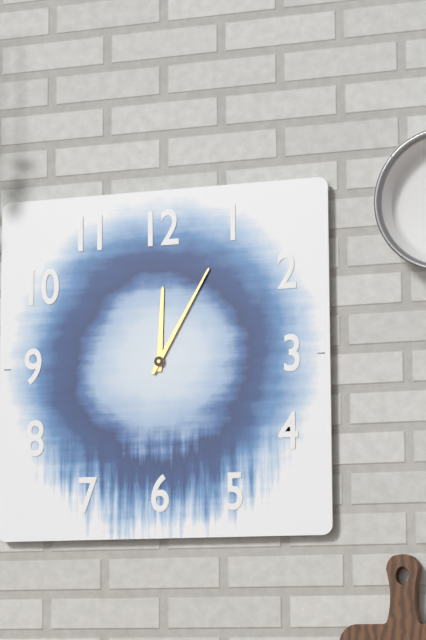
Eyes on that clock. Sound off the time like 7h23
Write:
12h05
